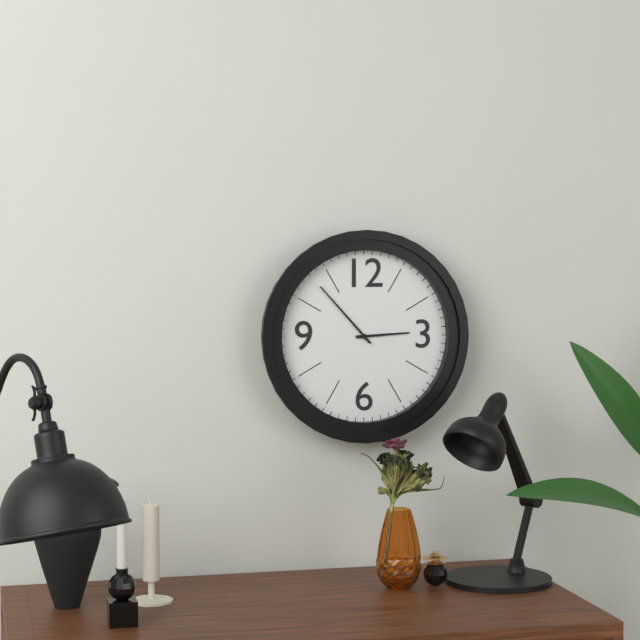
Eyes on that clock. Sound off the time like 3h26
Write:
2h53
